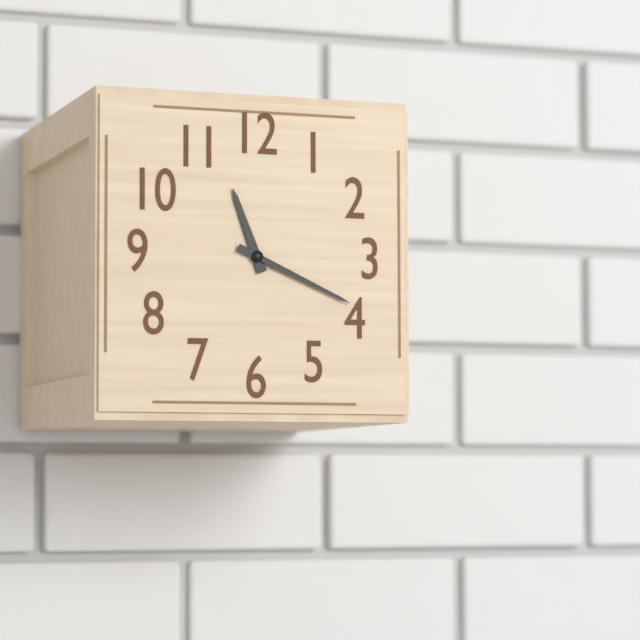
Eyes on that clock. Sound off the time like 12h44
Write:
11h19
